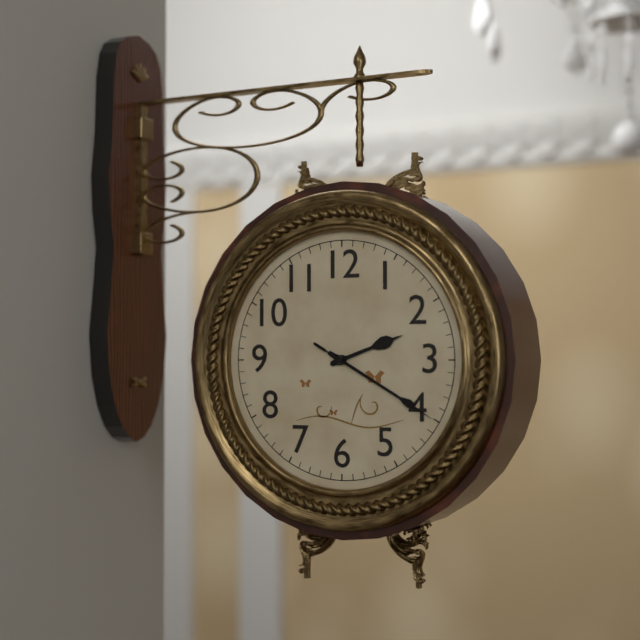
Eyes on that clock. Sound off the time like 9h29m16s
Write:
2h20m20s
